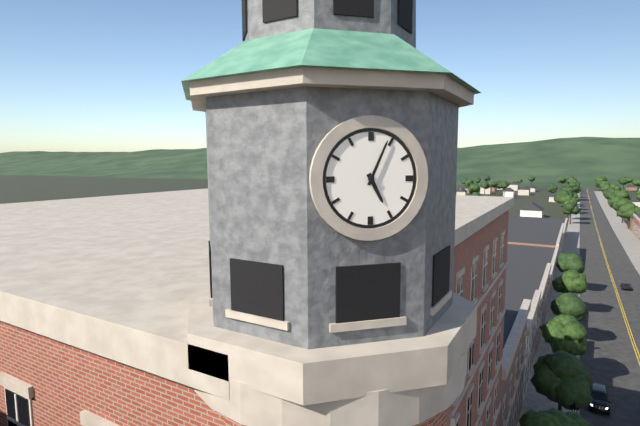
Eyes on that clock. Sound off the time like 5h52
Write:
5h04
